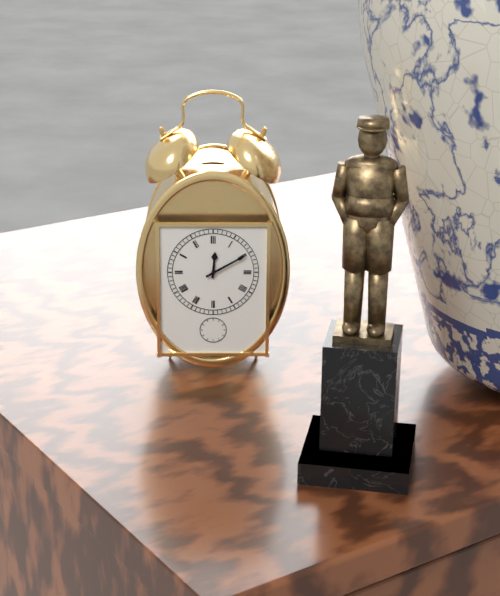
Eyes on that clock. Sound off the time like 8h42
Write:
12h10
